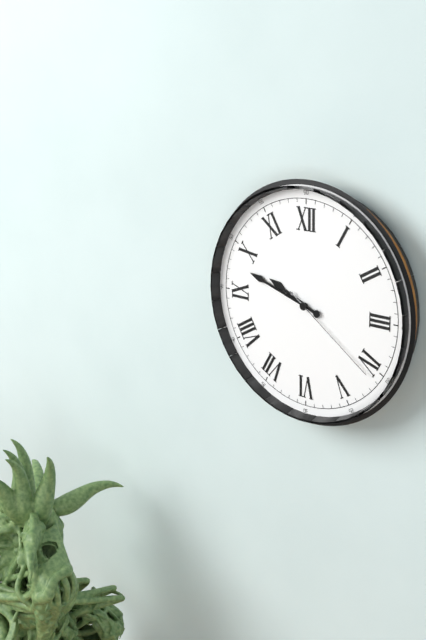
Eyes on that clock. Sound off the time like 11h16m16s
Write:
9h48m21s
